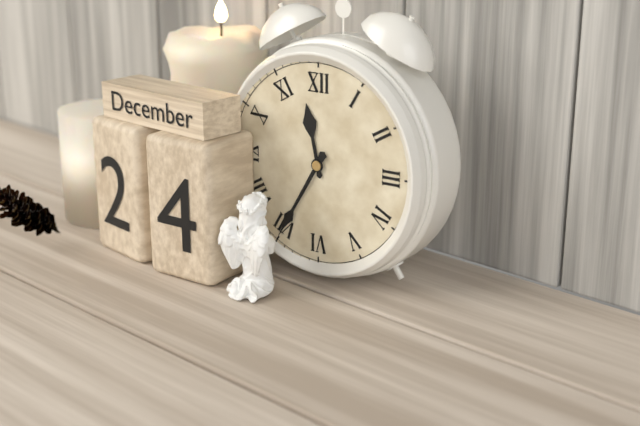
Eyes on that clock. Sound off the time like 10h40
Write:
11h35
